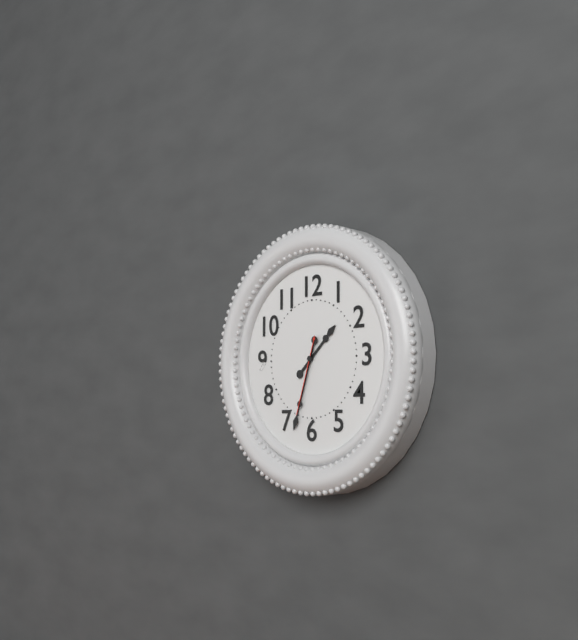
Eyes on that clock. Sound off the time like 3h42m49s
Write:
1h33m33s
